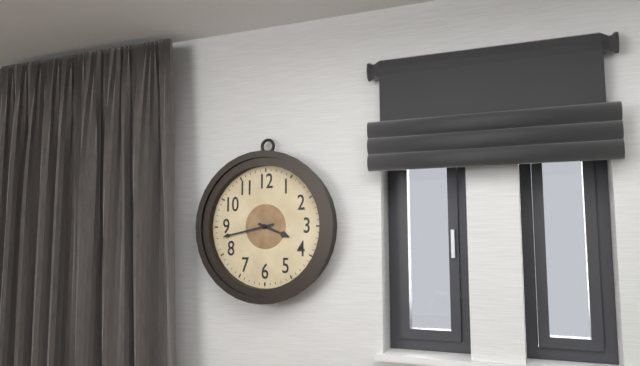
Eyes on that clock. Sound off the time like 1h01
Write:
3h43
